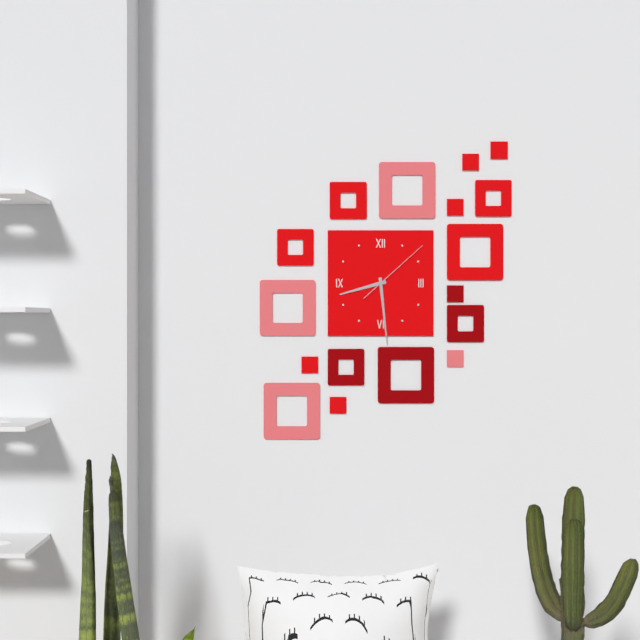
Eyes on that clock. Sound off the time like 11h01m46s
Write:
8h29m08s
